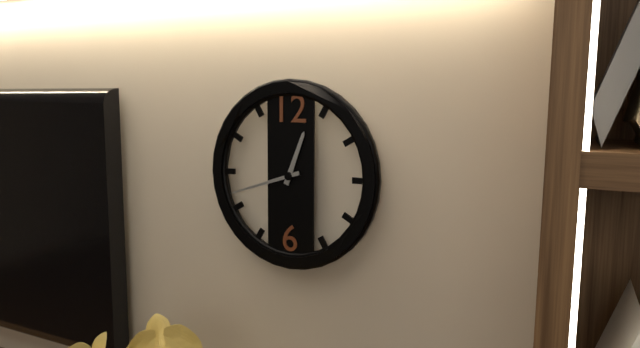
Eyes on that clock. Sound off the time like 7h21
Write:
12h42
